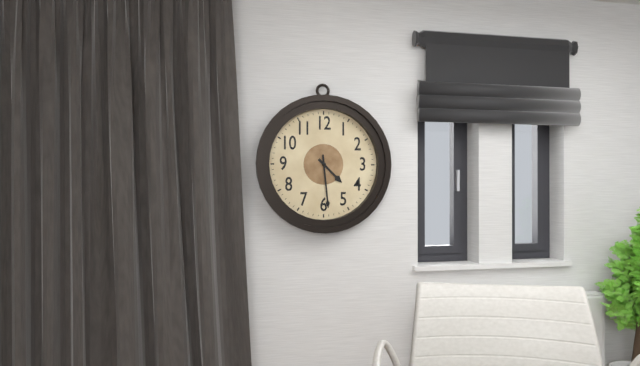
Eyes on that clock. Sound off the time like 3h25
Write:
4h29
